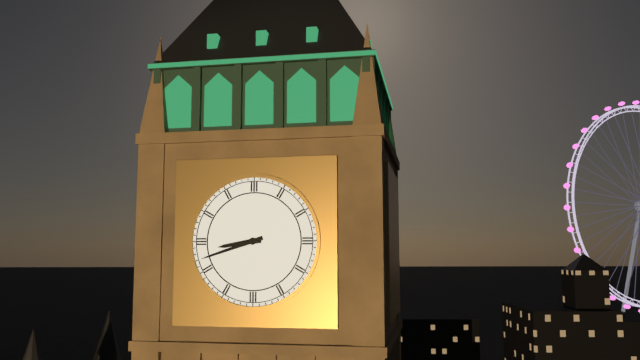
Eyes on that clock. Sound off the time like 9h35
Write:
8h42
